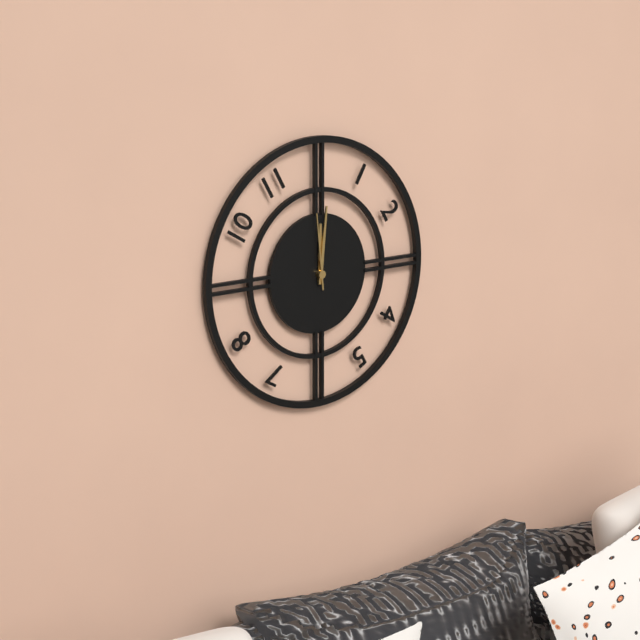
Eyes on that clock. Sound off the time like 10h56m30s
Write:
12h01m59s
